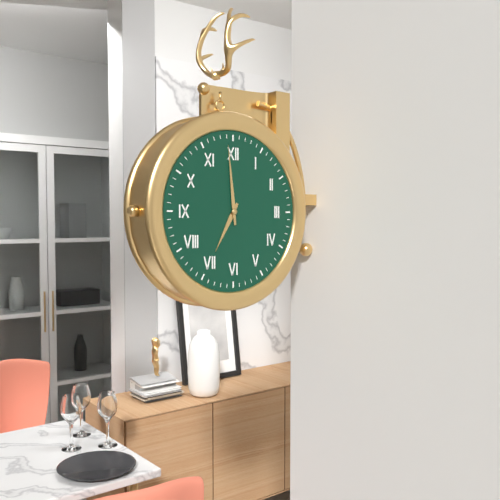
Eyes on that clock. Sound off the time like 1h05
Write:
6h59
